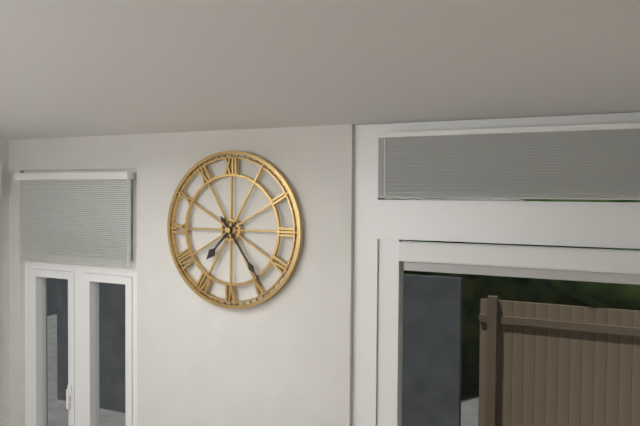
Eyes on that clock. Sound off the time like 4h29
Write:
7h24
